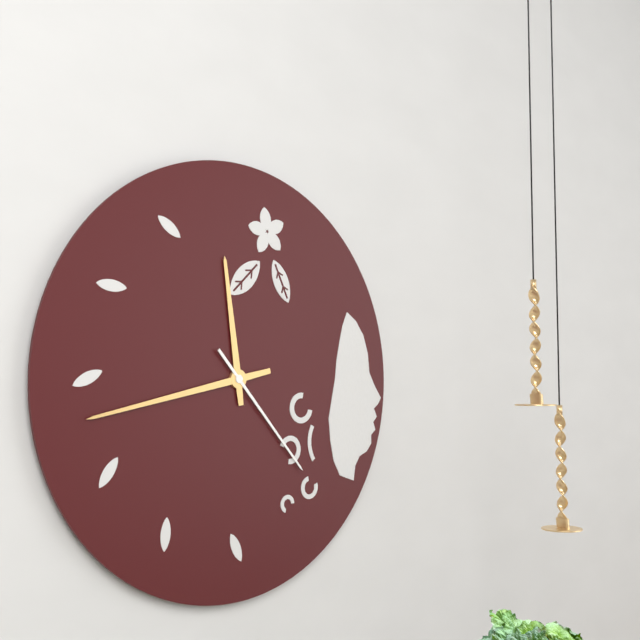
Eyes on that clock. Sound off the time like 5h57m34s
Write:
11h43m23s
